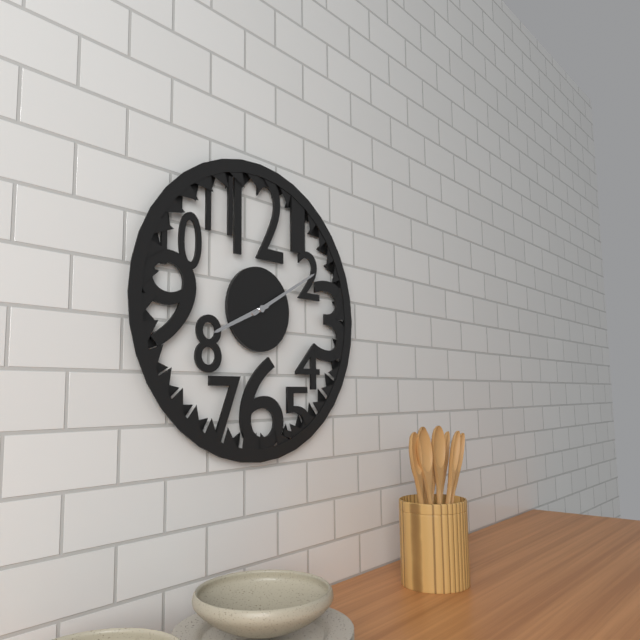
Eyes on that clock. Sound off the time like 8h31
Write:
8h10
